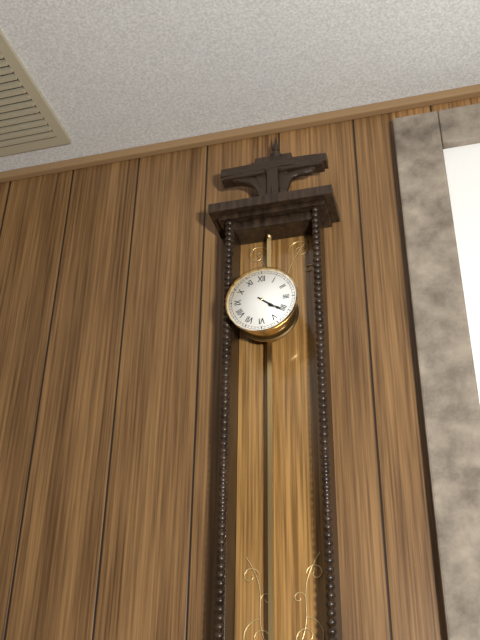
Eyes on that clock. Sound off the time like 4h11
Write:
4h21
